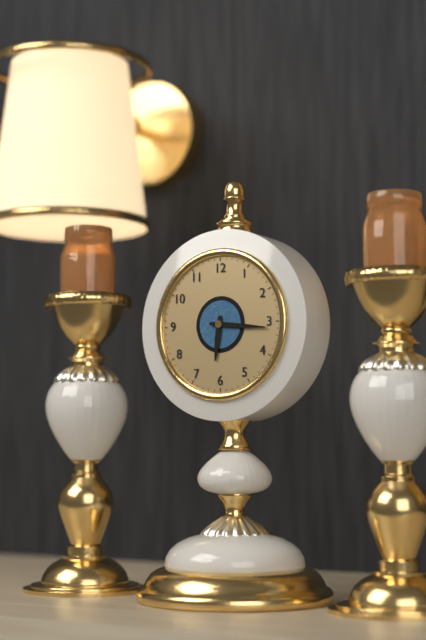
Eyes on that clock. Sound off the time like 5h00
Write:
6h16
